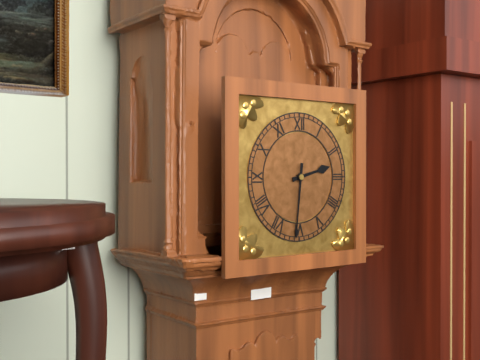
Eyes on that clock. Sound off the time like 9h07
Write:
2h31
